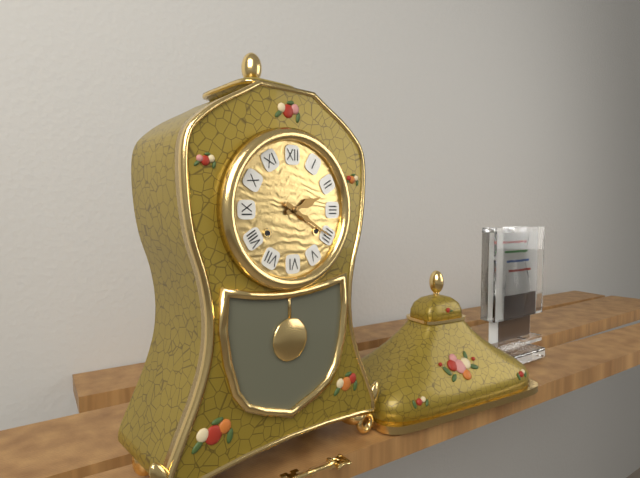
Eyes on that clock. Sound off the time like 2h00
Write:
2h20
